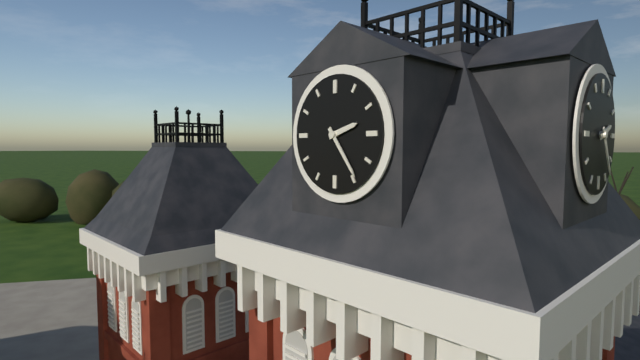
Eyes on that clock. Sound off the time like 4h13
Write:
2h24
